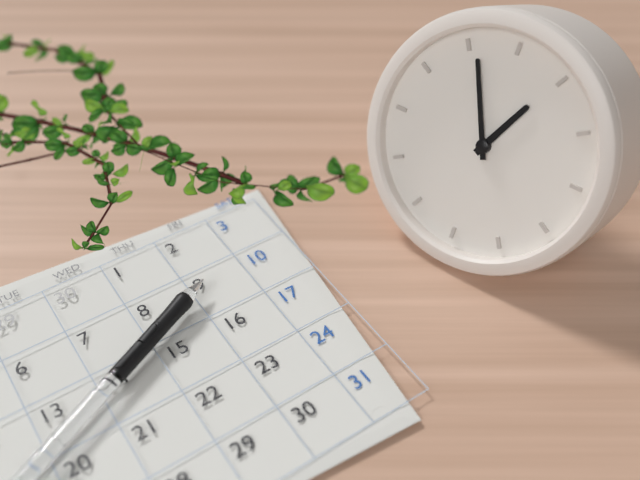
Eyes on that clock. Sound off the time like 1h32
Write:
12h56
